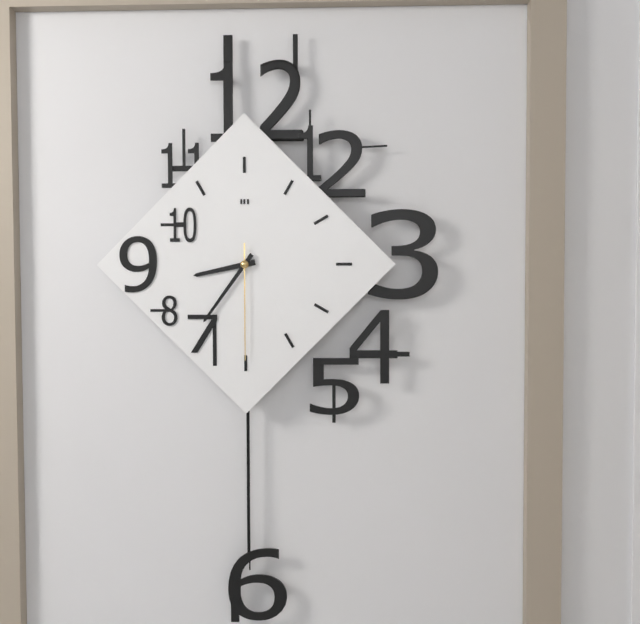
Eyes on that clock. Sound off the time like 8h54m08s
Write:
8h36m30s
